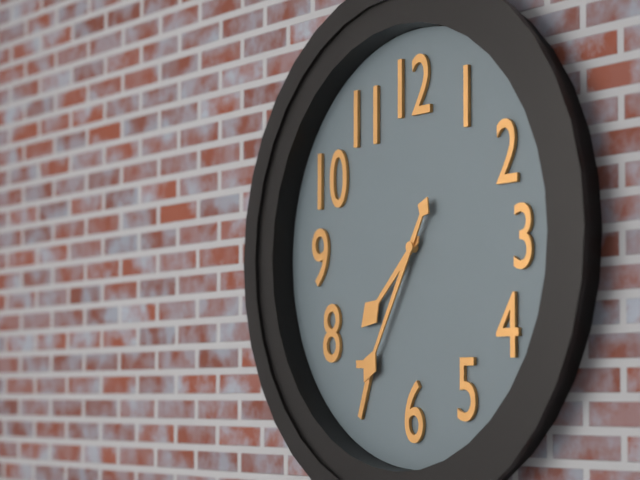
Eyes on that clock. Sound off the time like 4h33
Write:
7h35
